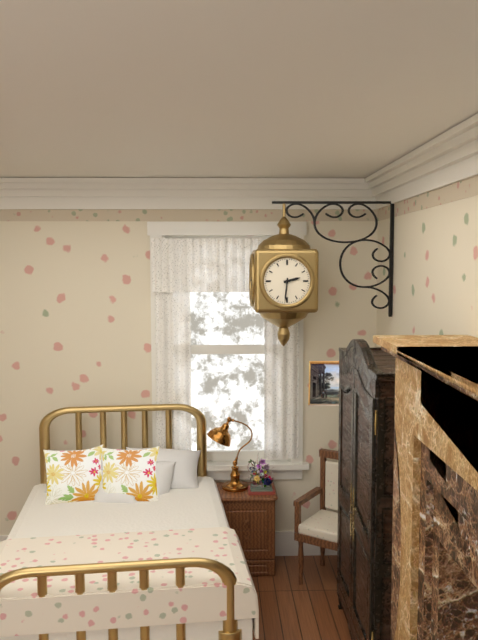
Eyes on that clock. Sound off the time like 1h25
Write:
2h31
